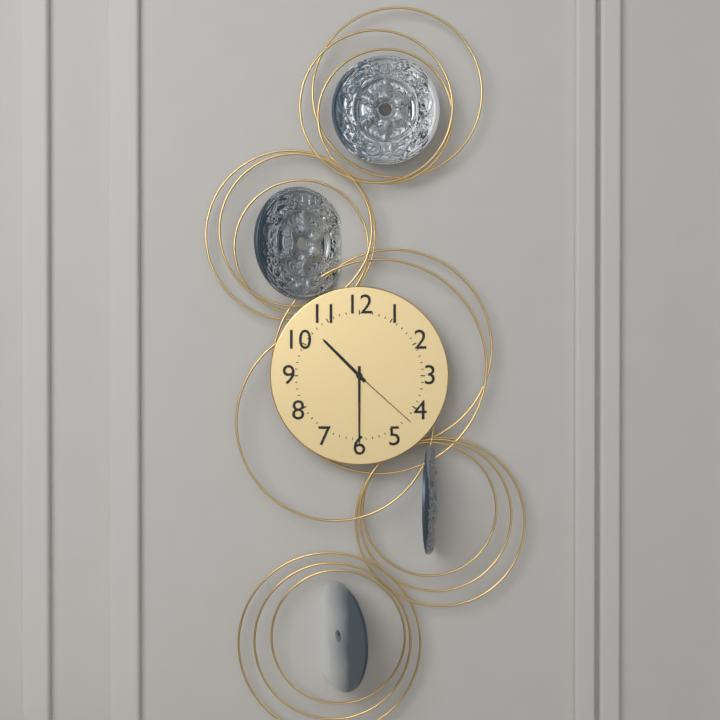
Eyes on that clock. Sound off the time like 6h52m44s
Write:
10h30m22s
